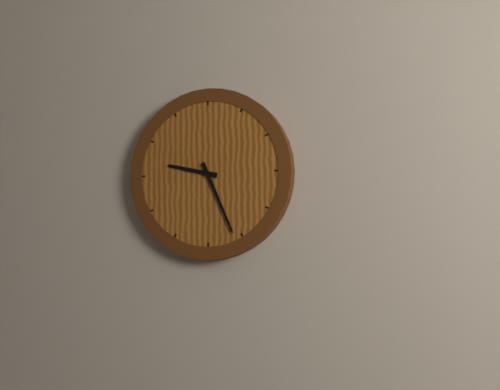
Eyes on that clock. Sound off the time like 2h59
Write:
9h26
